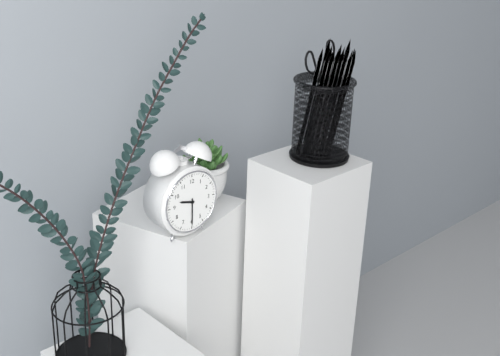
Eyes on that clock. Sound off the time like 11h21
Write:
9h30
